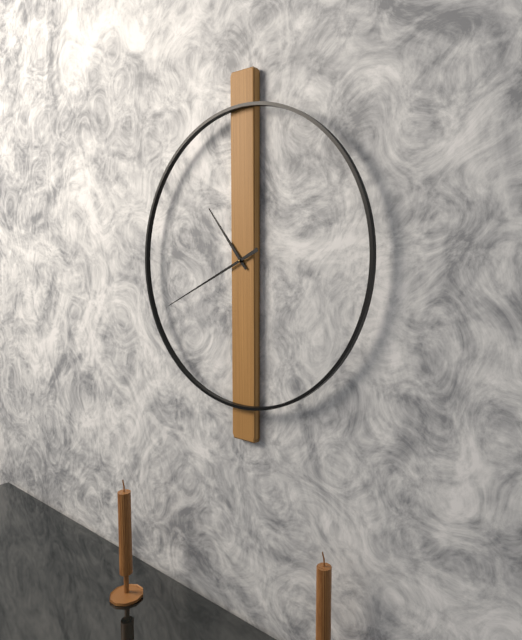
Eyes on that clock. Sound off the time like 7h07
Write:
10h41
